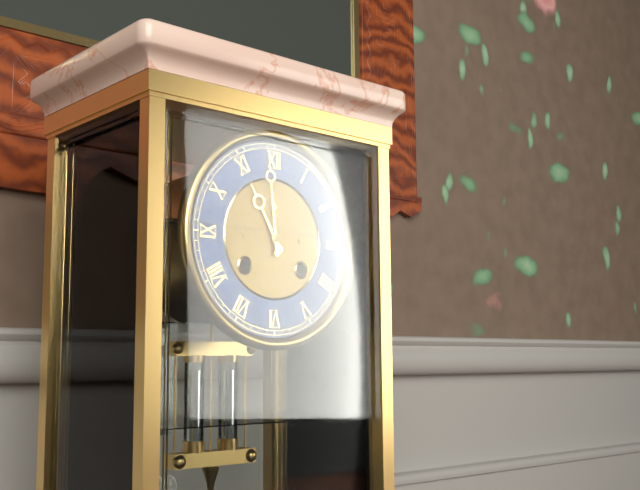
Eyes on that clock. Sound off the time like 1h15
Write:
10h59
